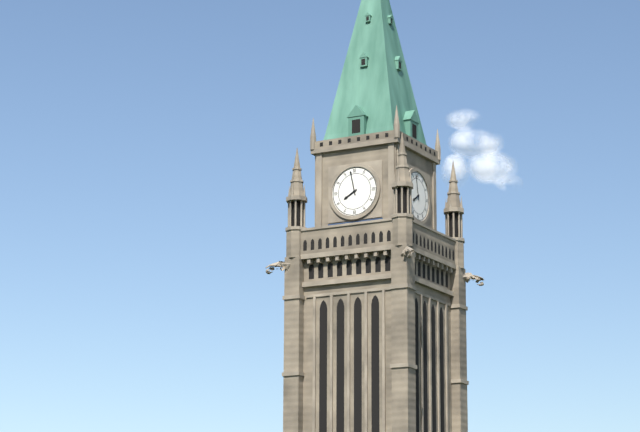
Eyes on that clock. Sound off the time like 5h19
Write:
7h58
